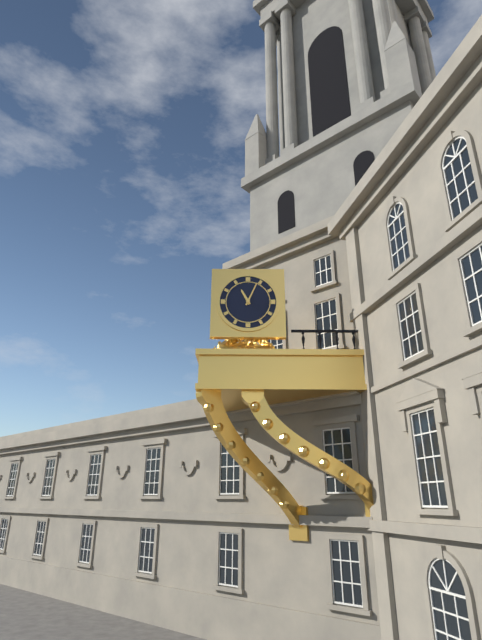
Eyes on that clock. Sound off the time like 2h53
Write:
11h04
